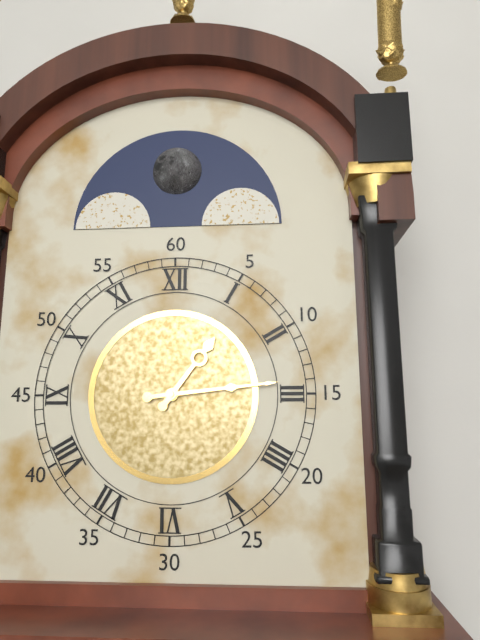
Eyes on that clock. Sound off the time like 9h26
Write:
1h14
